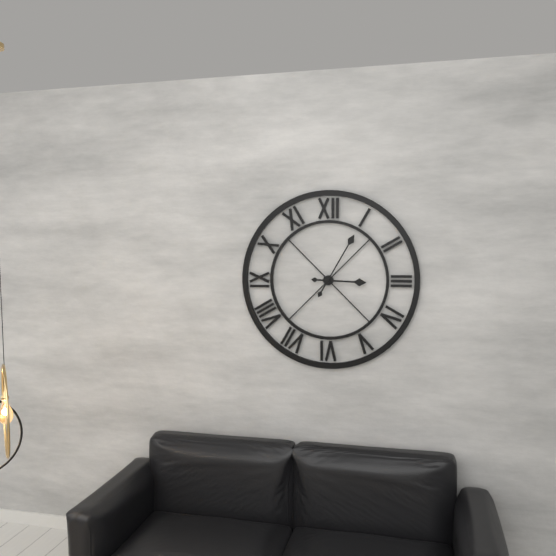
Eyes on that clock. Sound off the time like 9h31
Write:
3h05
